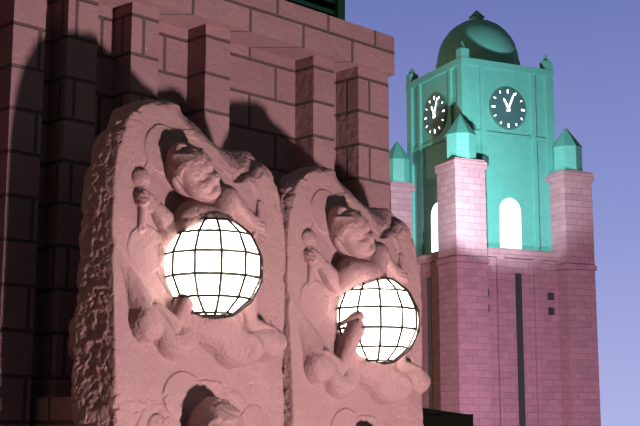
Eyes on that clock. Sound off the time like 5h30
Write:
11h04
